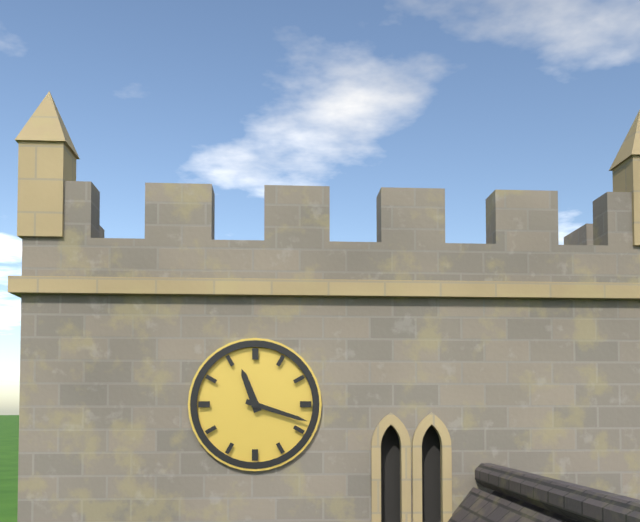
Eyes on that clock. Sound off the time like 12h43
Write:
11h18
